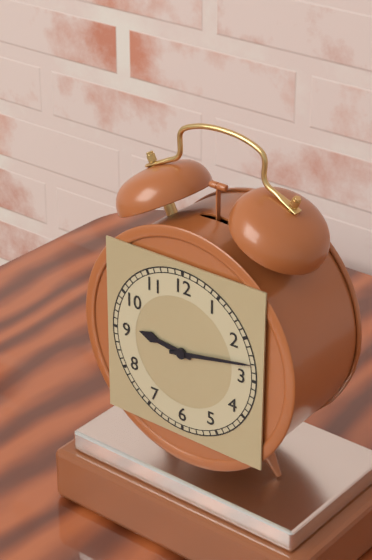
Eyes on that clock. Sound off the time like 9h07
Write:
9h13
